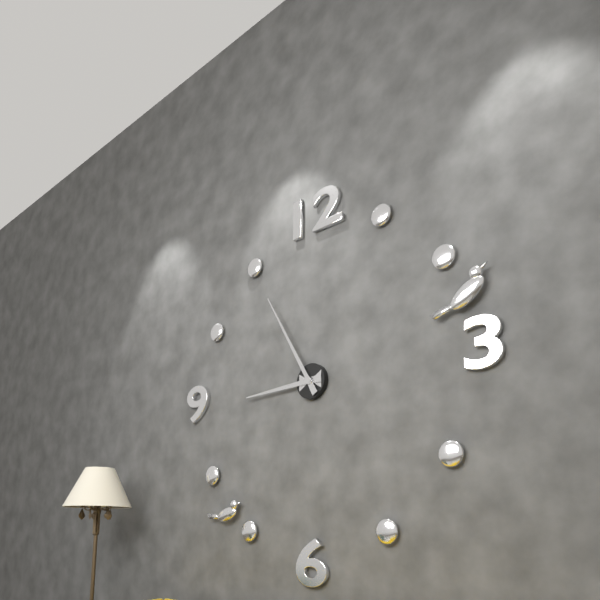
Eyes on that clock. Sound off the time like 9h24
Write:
8h55
